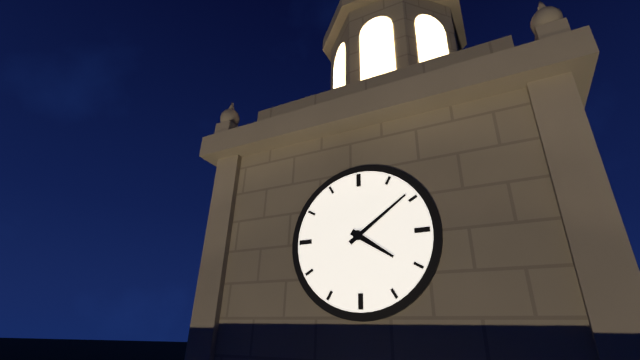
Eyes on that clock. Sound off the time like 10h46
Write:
4h09
